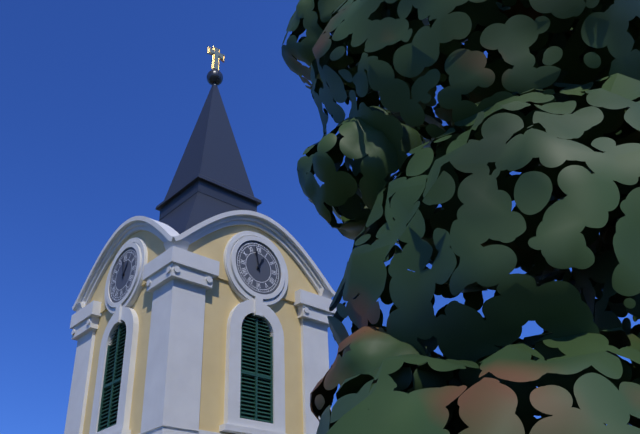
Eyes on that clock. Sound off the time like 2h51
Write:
12h58
